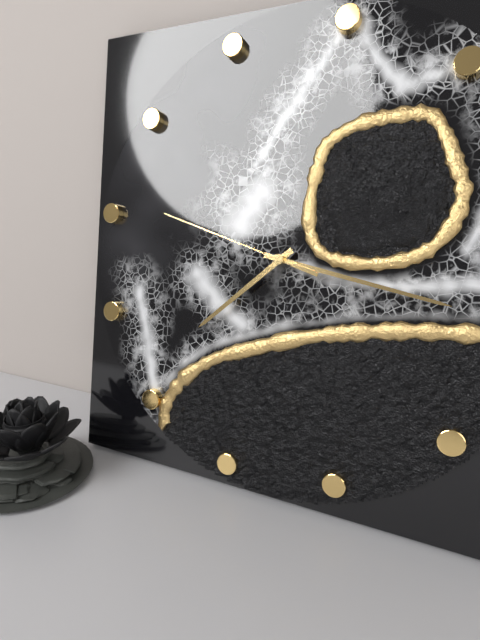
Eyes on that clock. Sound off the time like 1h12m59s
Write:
7h15m46s
